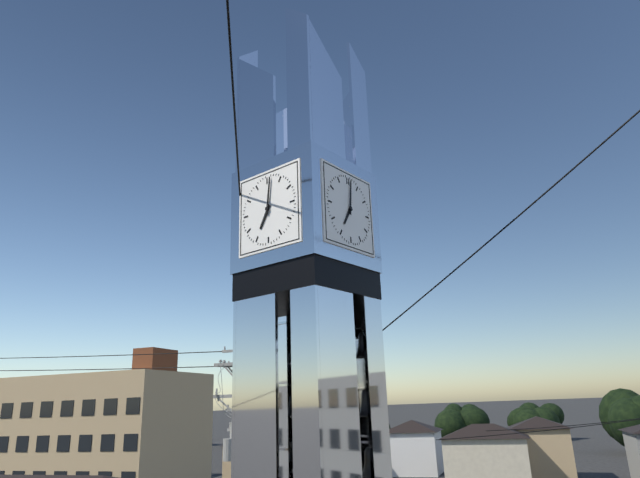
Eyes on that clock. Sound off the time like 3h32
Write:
7h01
